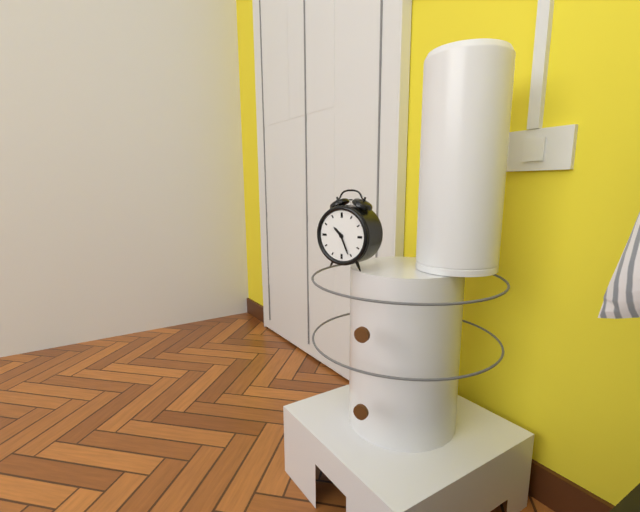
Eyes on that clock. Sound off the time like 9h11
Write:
10h26
